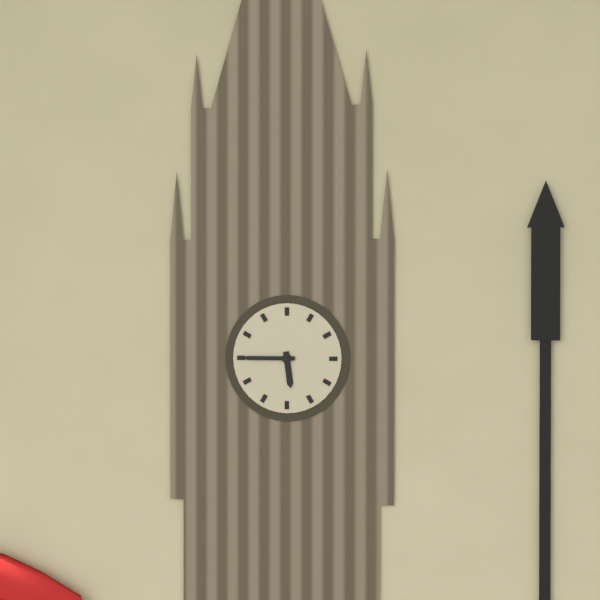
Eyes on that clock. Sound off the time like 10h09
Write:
5h45
